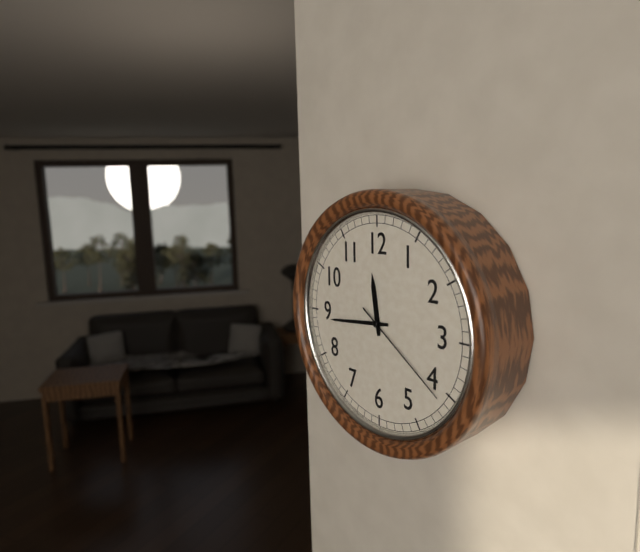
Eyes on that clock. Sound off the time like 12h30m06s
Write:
11h44m21s
